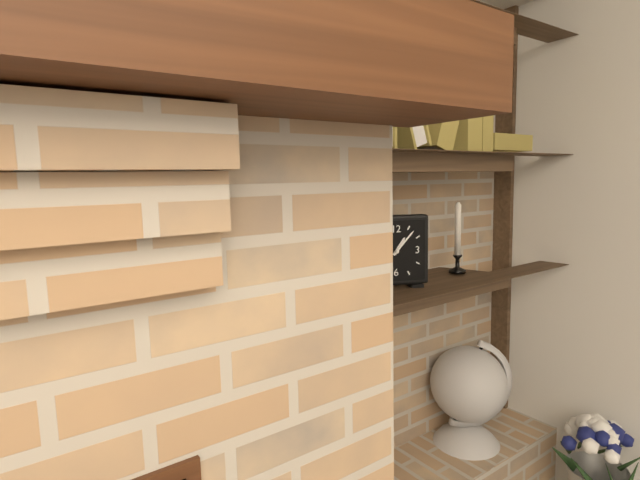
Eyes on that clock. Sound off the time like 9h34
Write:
1h07
